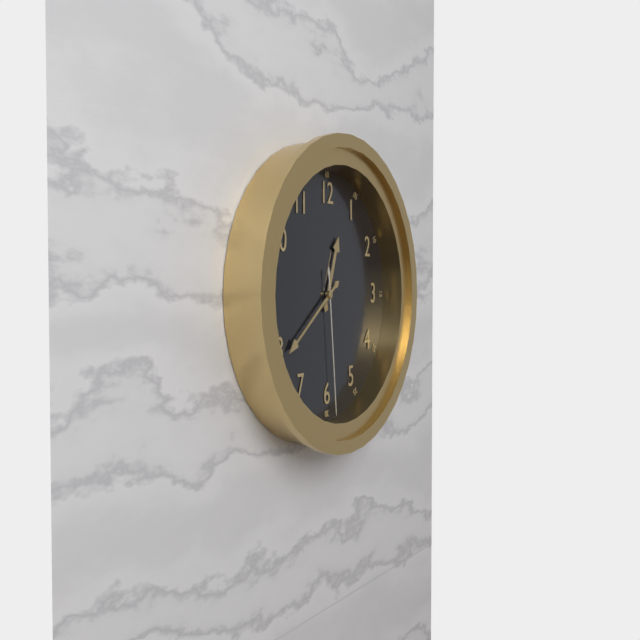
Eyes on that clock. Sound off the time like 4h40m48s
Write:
12h39m29s
